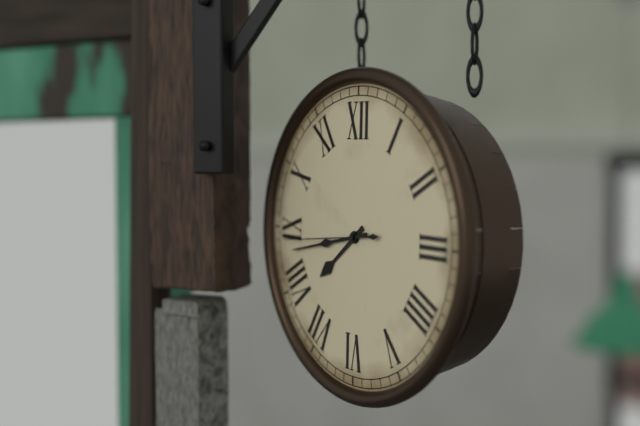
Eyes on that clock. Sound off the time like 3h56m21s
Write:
7h43m44s
